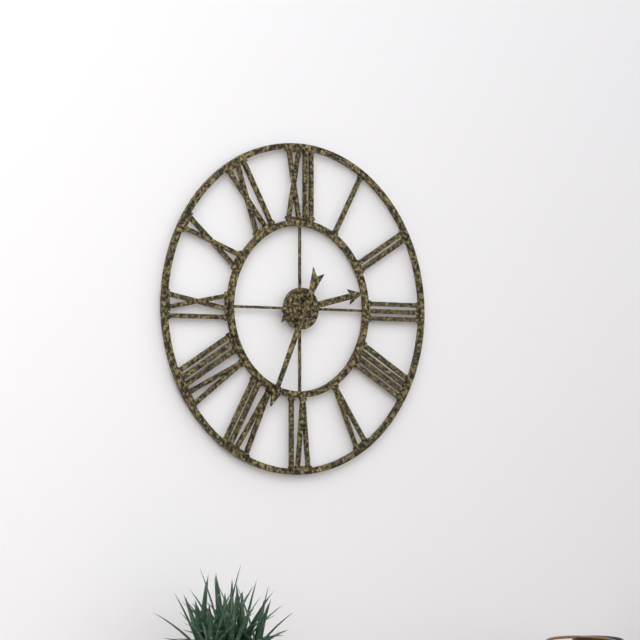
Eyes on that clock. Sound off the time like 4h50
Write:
2h34
